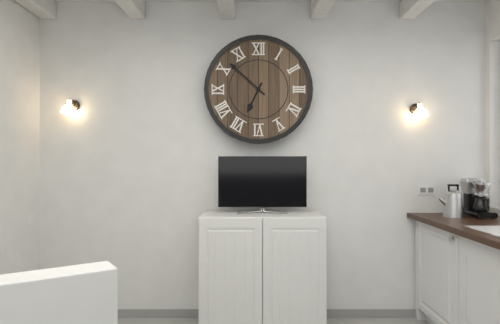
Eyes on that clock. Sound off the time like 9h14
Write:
6h52
